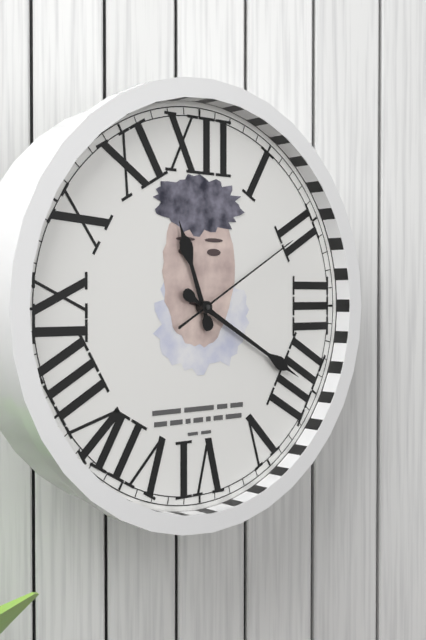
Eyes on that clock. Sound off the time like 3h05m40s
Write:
11h20m10s
